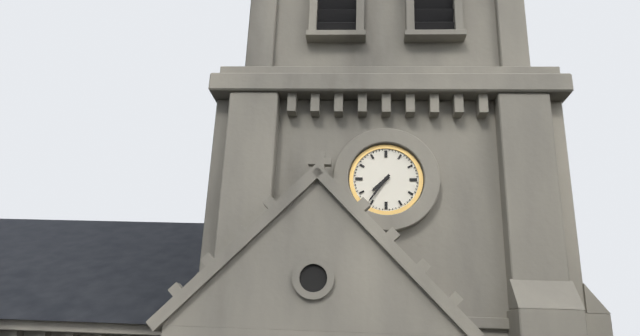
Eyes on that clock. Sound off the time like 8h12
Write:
7h36
